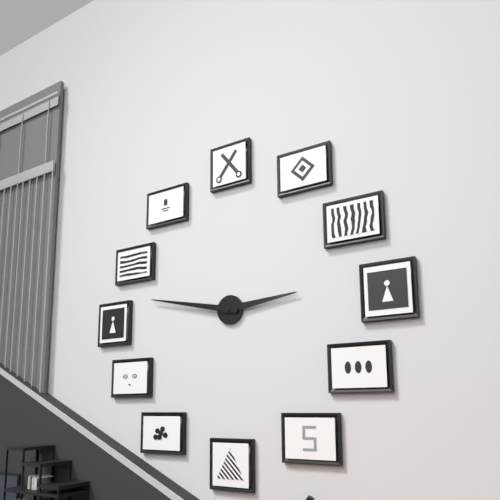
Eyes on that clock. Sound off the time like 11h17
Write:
2h47
